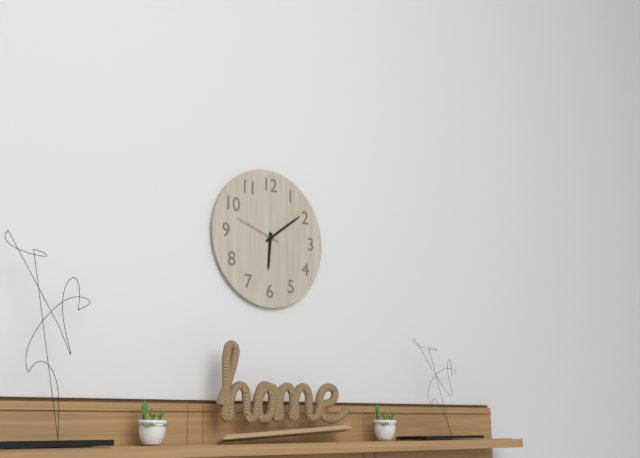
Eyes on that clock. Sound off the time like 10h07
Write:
6h09
